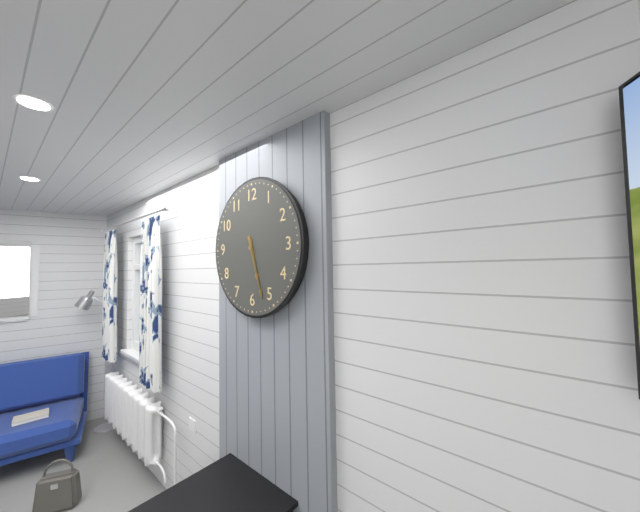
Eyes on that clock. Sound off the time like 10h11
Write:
5h27
